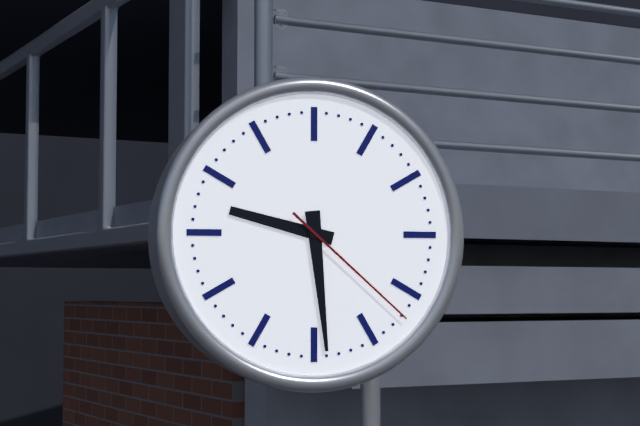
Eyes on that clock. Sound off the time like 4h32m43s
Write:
9h29m22s
